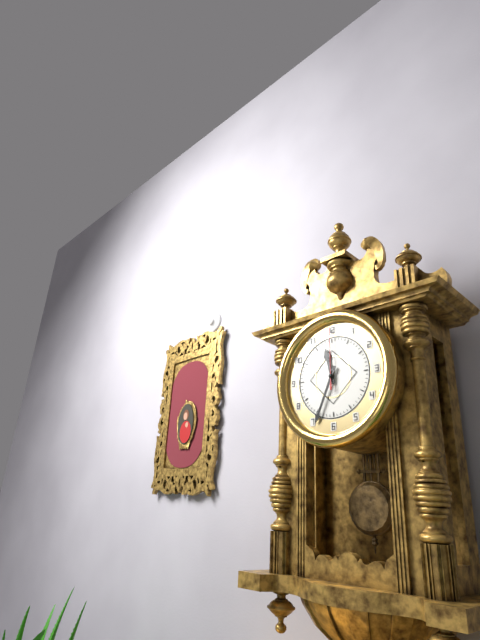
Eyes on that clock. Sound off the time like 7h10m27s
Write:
11h34m00s
